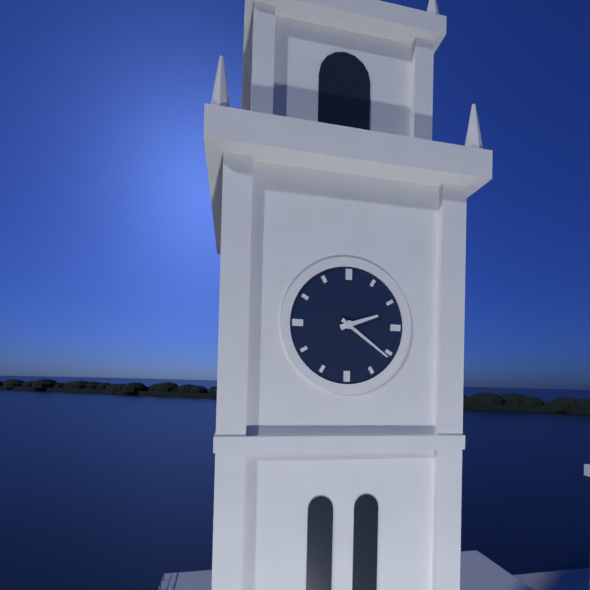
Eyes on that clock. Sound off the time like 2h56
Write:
2h21
